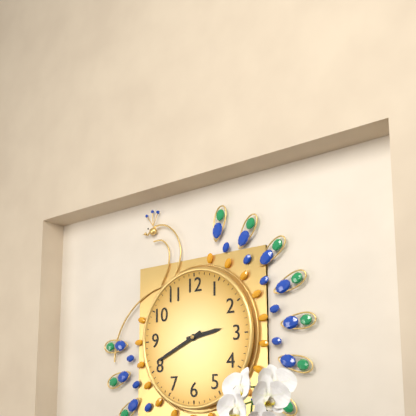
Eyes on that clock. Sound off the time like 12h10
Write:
2h41
